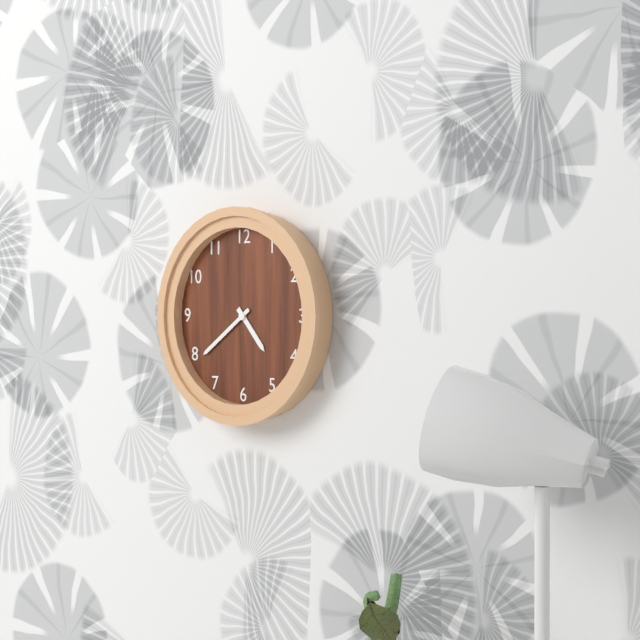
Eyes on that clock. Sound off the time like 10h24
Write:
4h39
